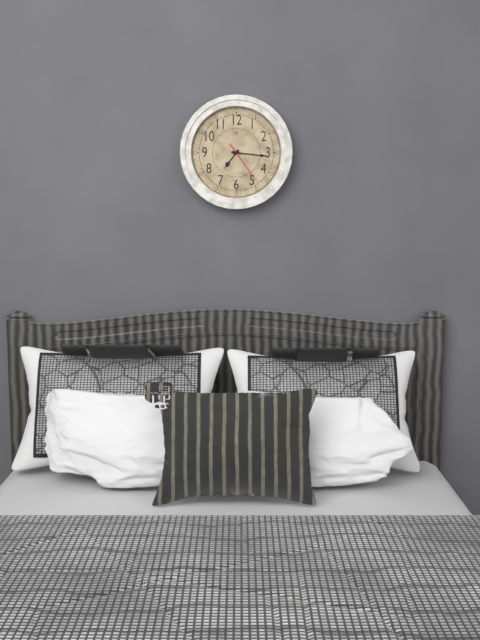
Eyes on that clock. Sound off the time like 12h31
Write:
7h16
